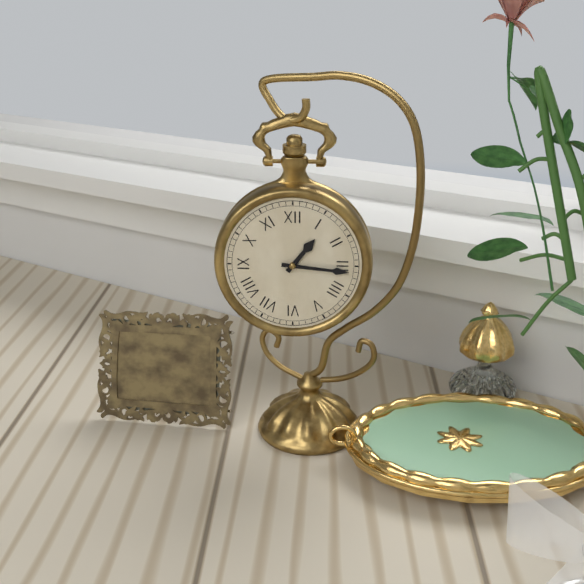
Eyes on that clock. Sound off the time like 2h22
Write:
1h16
